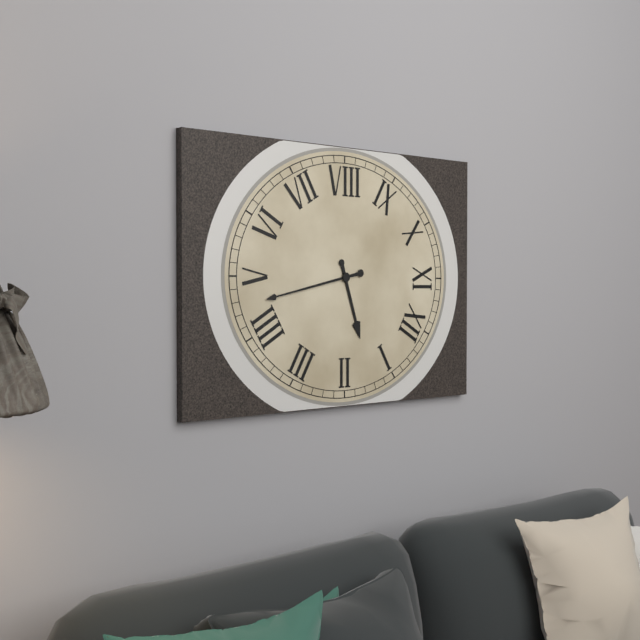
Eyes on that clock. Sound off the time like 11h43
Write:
1h23
